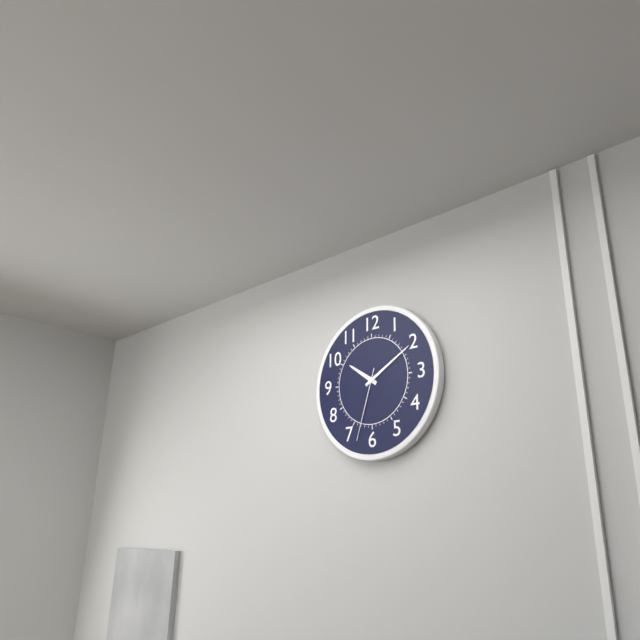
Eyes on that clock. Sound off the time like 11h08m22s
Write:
10h10m33s
